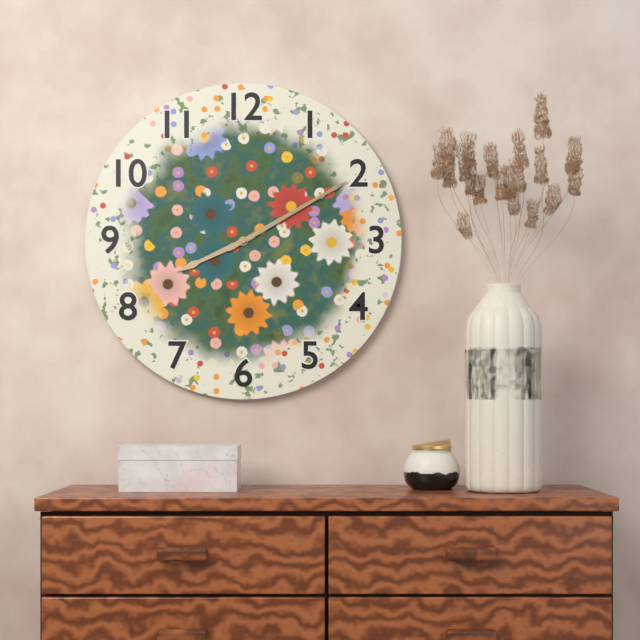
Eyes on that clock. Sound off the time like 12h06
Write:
8h10
